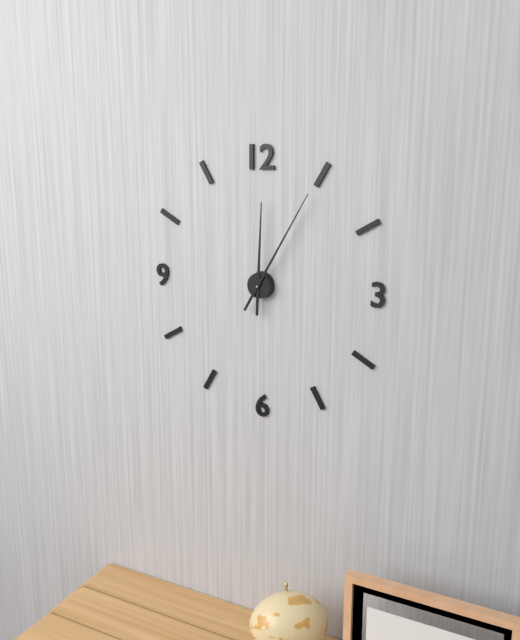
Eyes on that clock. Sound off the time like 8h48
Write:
12h05
